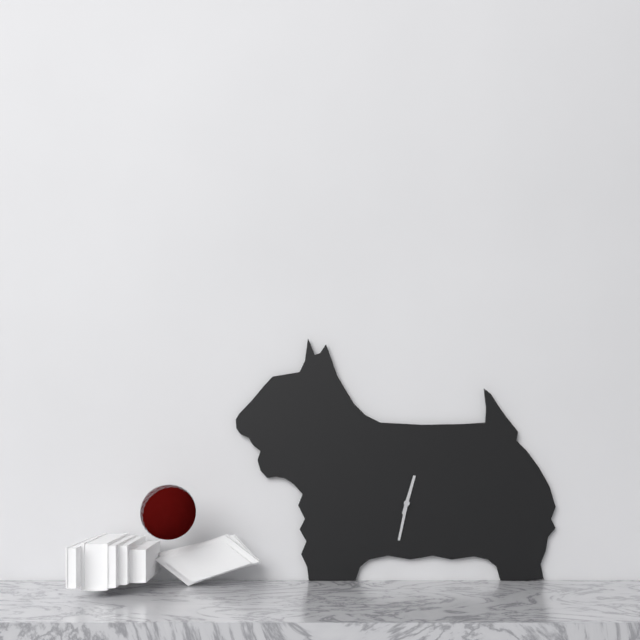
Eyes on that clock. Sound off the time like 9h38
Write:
12h32
